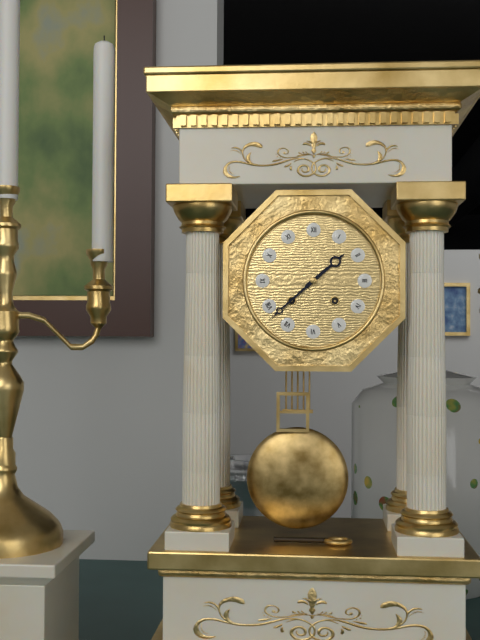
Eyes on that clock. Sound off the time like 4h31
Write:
1h38
